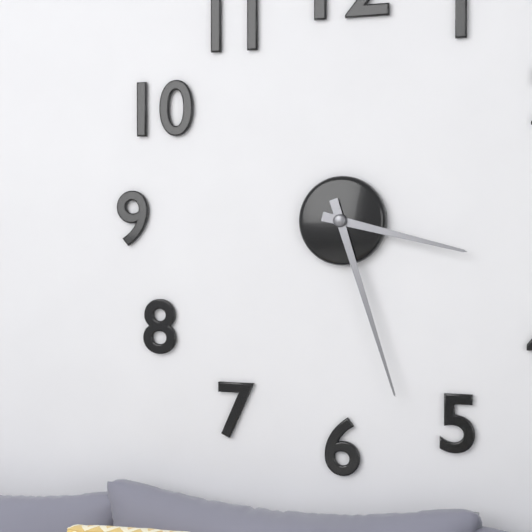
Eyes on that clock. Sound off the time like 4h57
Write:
3h27
